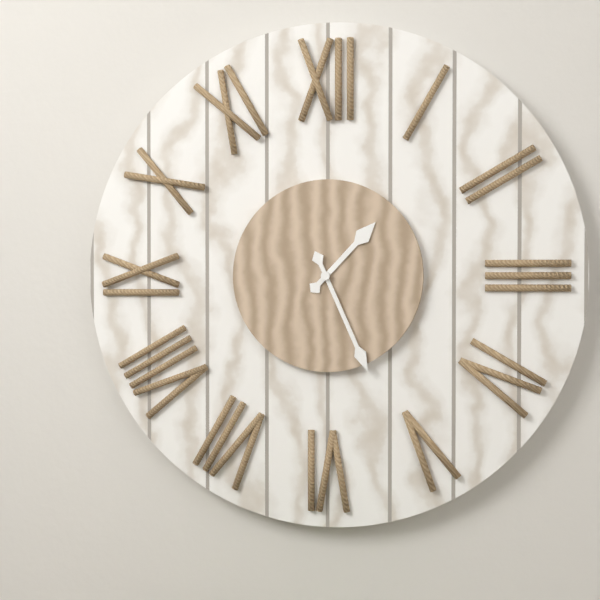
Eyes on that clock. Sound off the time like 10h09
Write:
1h26
